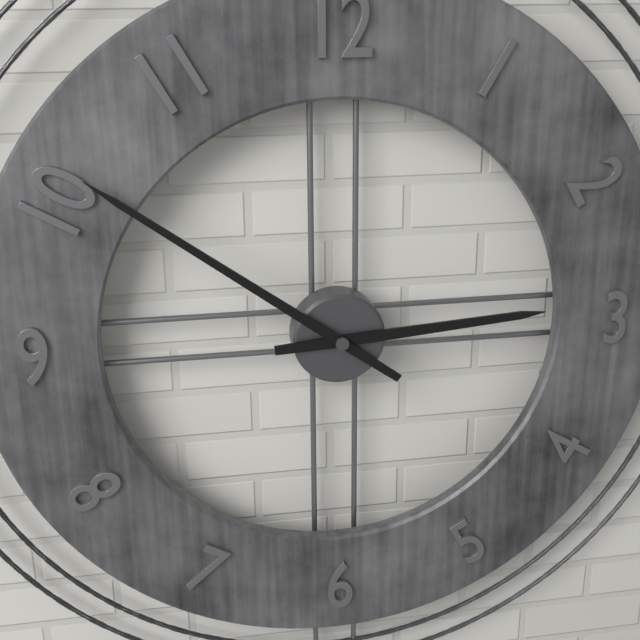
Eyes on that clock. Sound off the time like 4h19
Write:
2h51
